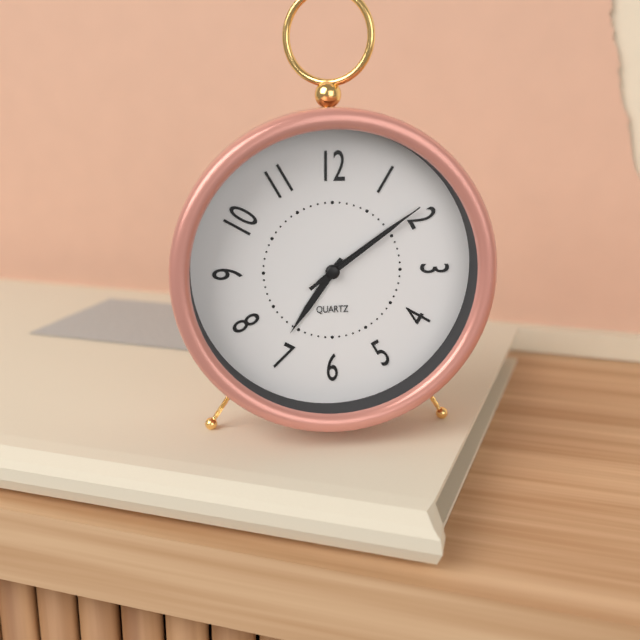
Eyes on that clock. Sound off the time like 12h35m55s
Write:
7h09m09s
